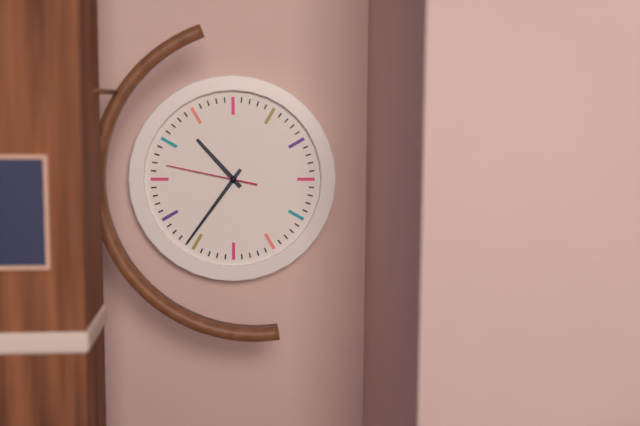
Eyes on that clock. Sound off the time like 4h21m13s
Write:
10h36m47s
